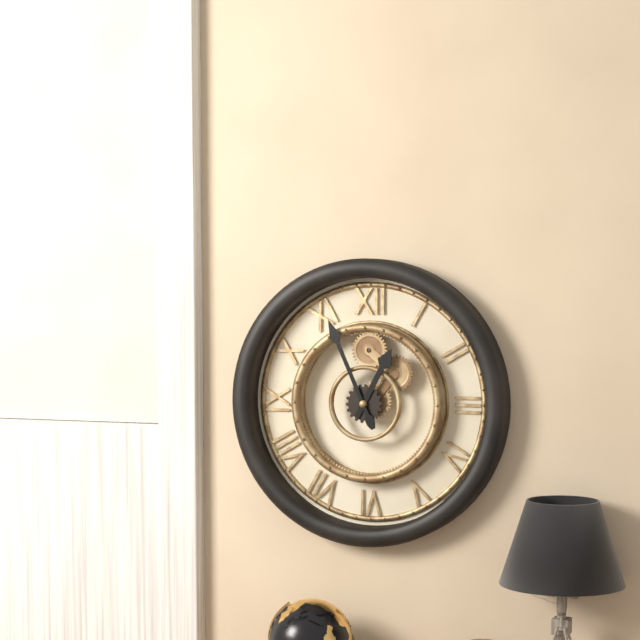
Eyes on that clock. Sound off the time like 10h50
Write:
12h56
